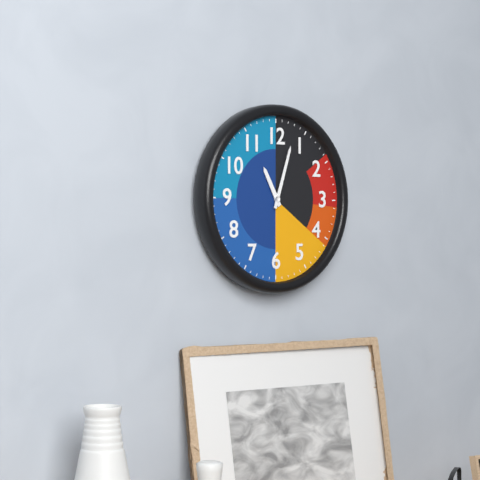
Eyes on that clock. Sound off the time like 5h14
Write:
11h03
